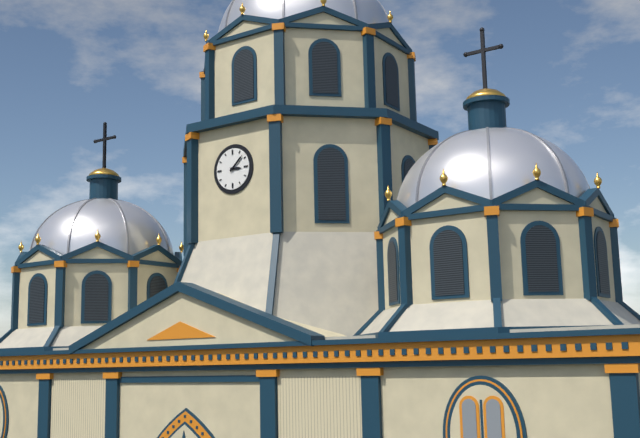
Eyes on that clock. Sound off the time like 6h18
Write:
3h08
